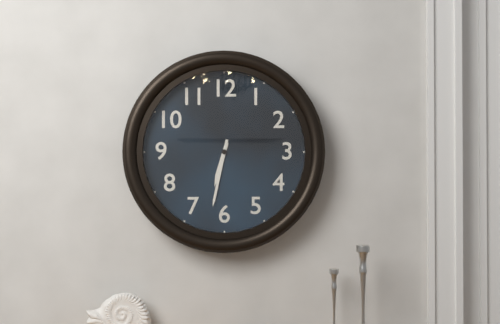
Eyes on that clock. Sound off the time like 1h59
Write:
6h32
